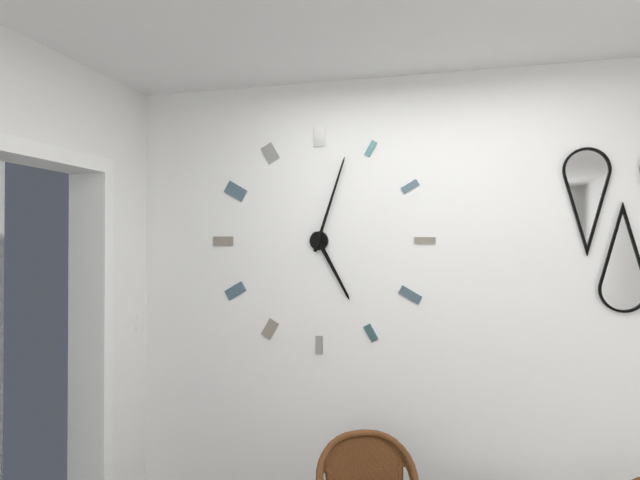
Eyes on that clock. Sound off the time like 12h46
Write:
5h03
